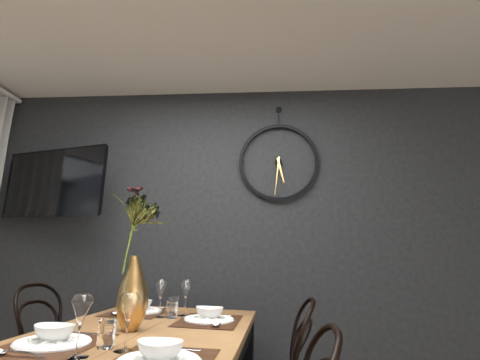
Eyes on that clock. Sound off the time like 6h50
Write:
5h31
